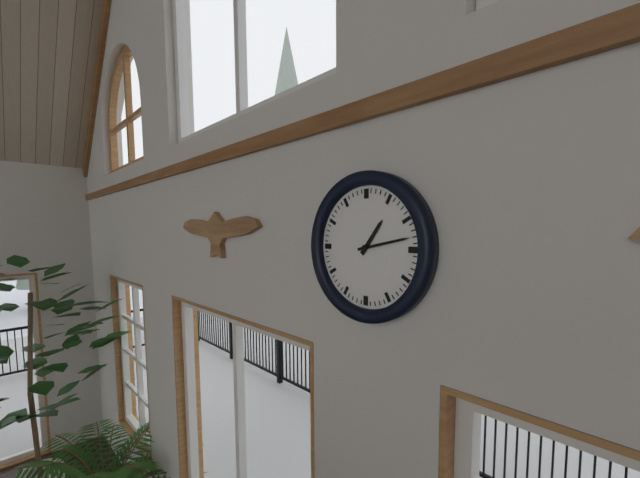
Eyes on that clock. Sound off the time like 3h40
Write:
1h13
